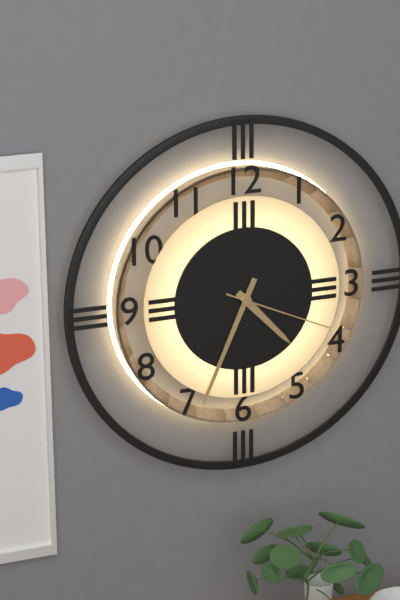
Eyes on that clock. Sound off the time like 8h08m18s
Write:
4h34m19s
